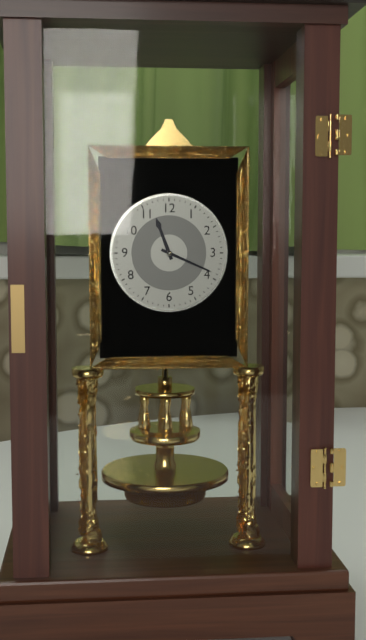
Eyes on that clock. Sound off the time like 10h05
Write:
11h19
